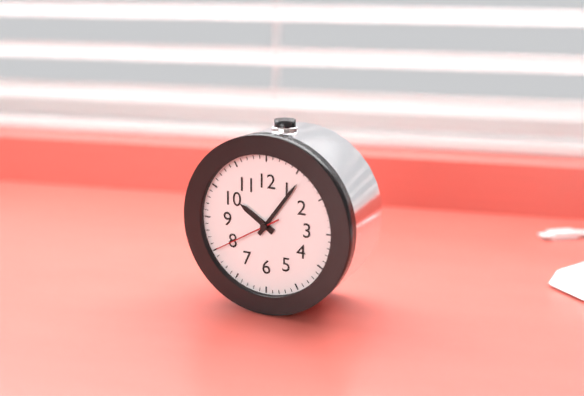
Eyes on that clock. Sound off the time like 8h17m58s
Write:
10h06m40s
